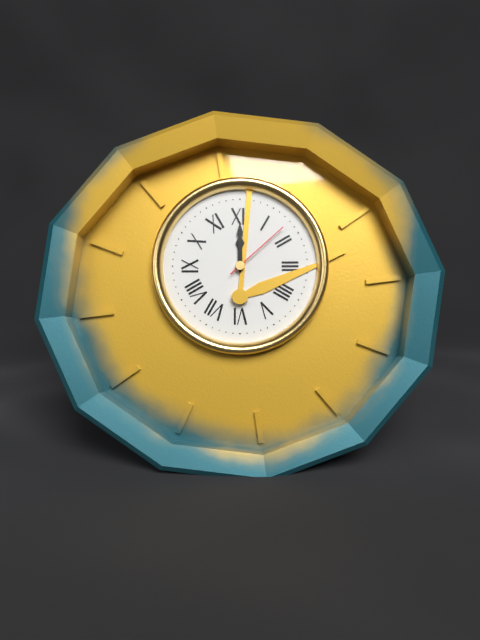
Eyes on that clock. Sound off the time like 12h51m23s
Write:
12h00m08s
